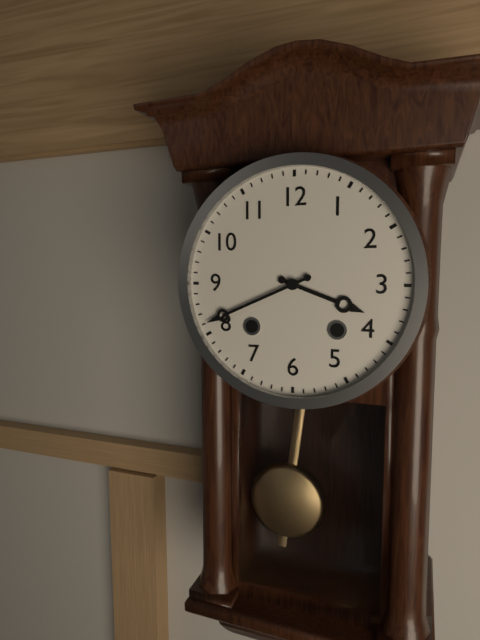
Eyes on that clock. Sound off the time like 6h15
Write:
3h41
